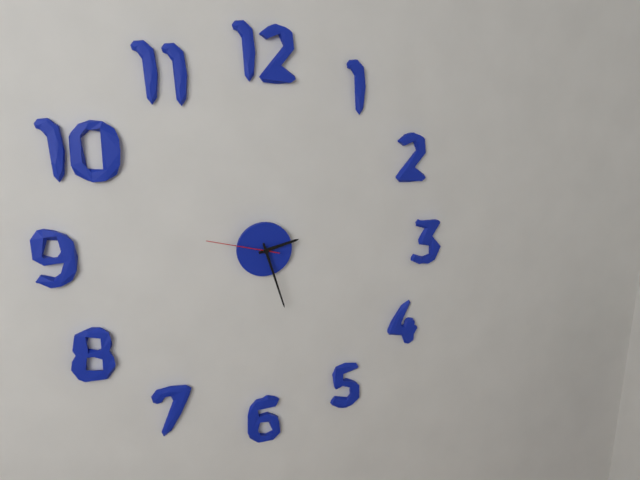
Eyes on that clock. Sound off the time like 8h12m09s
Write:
2h27m47s
